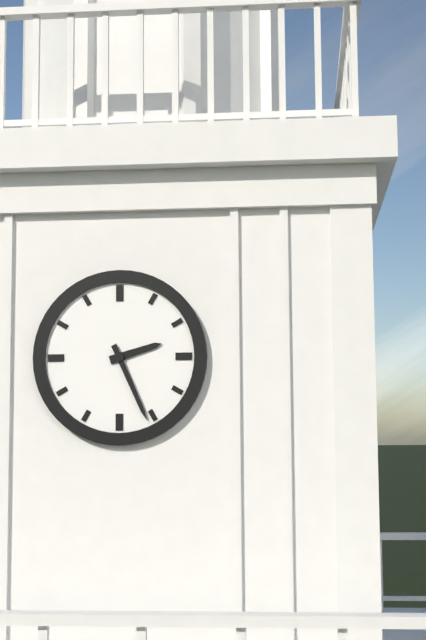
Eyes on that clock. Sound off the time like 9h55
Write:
2h26
